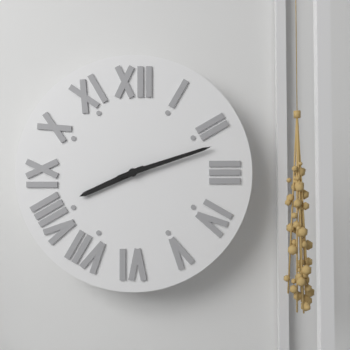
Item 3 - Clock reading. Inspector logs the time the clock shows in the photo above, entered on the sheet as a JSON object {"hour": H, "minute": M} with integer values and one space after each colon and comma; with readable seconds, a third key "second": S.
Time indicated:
{"hour": 8, "minute": 12}
